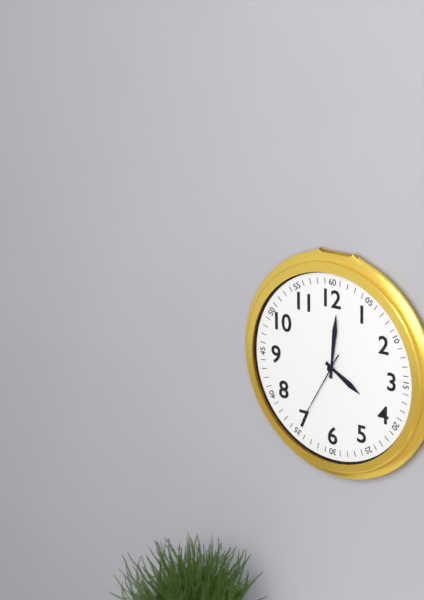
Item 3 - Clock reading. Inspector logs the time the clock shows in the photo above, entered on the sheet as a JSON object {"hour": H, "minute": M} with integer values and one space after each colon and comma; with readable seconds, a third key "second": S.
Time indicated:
{"hour": 4, "minute": 1, "second": 35}
